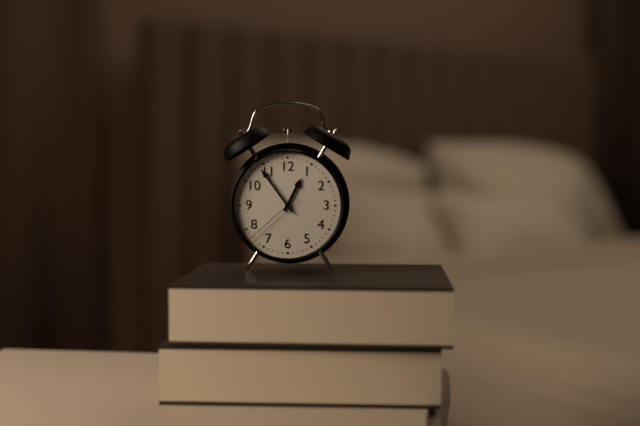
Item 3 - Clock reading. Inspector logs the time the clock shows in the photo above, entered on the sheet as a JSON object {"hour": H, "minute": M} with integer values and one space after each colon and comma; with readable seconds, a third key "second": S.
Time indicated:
{"hour": 12, "minute": 54, "second": 38}
